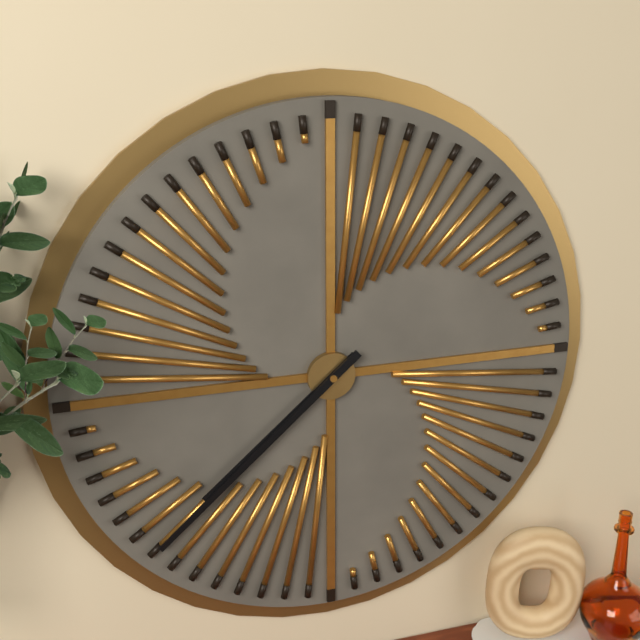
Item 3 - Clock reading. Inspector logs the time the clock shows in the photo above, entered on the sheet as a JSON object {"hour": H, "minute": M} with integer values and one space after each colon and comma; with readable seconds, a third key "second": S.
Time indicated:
{"hour": 7, "minute": 38}
